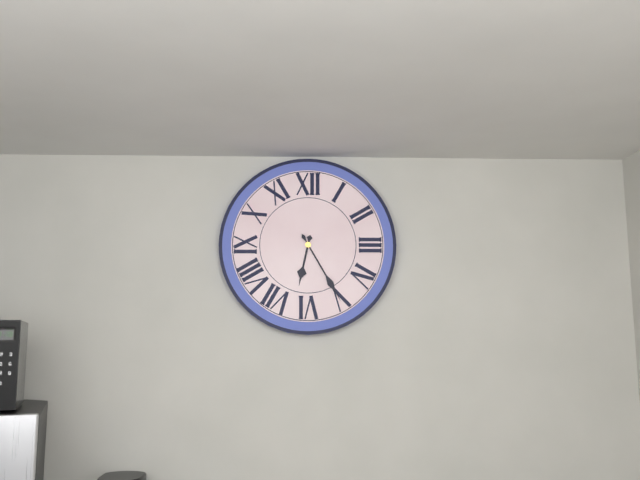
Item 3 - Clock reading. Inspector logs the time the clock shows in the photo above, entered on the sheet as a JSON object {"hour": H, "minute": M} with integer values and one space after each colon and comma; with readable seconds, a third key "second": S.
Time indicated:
{"hour": 6, "minute": 25}
